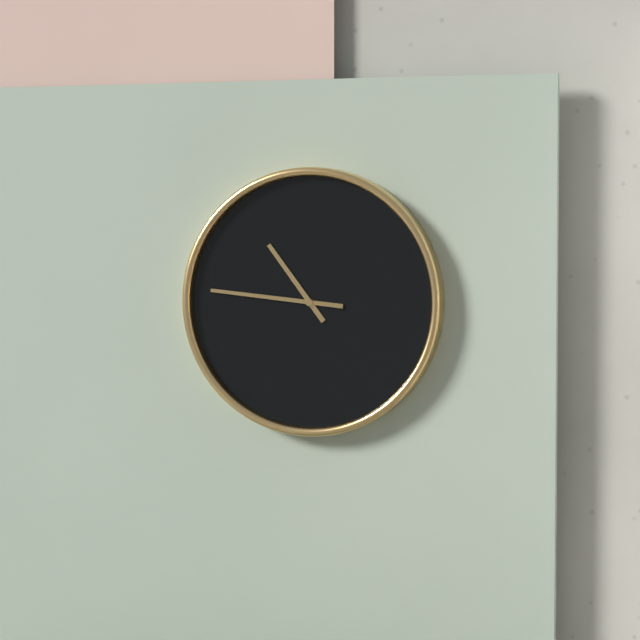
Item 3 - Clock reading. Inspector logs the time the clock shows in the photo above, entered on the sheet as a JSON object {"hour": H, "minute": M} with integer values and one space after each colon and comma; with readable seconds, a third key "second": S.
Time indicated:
{"hour": 10, "minute": 46}
